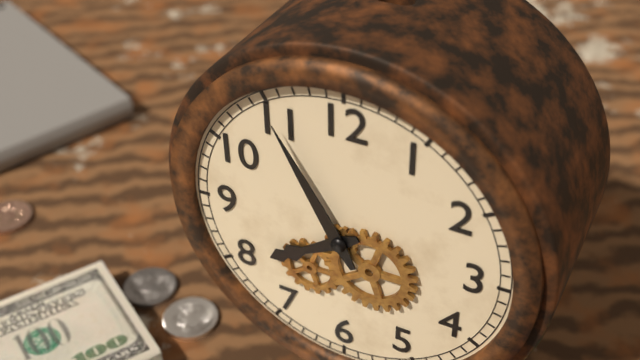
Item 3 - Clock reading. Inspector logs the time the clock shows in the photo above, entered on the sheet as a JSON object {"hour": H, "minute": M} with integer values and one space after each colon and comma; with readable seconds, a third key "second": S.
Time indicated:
{"hour": 7, "minute": 55}
